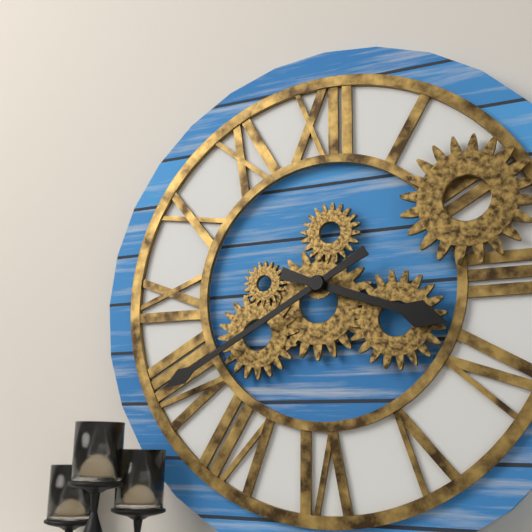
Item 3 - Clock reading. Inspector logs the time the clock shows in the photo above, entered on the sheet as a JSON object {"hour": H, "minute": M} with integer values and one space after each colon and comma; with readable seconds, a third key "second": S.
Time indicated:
{"hour": 3, "minute": 40}
